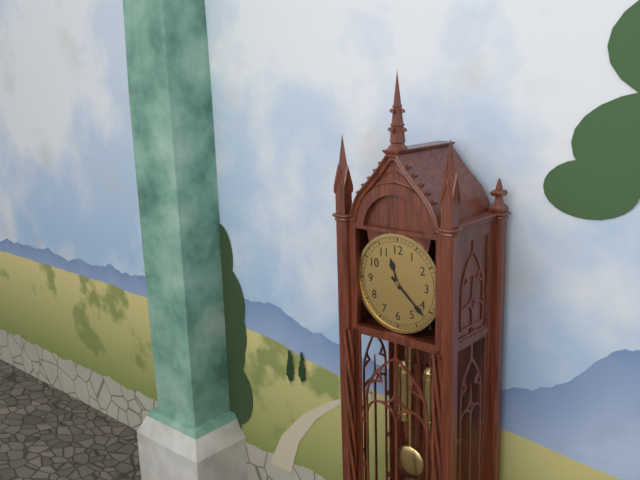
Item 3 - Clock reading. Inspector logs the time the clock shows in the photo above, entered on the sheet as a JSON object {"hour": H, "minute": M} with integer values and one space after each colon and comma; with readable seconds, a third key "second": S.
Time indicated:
{"hour": 11, "minute": 22}
